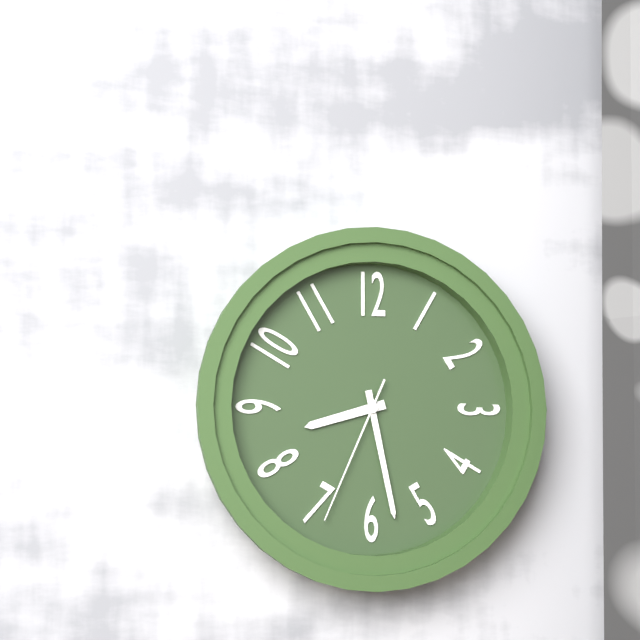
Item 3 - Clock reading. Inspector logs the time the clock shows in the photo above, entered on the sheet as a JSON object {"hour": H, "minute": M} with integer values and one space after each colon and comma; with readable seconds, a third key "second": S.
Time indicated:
{"hour": 8, "minute": 28, "second": 34}
